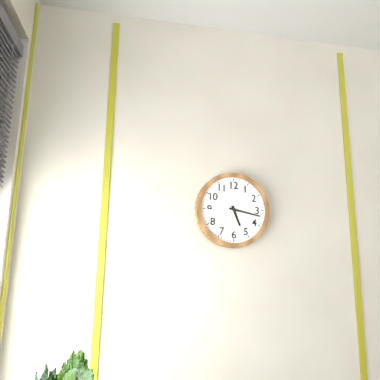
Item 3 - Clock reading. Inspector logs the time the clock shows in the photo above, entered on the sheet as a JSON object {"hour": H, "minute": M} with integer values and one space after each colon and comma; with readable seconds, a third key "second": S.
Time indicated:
{"hour": 5, "minute": 17}
